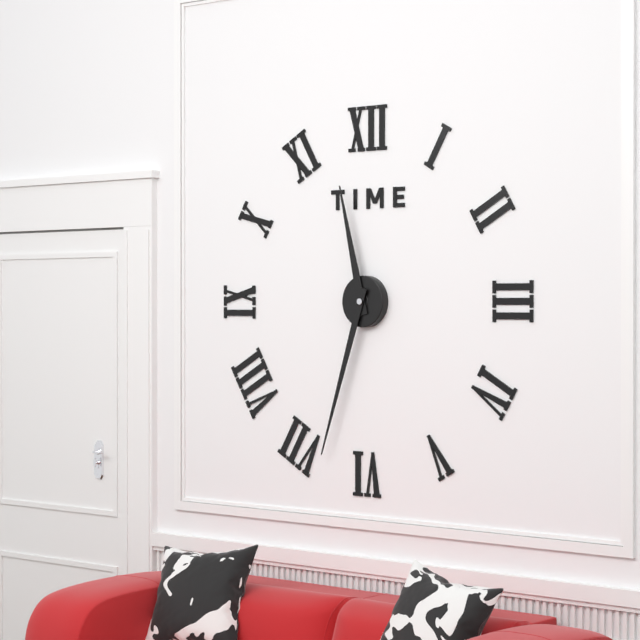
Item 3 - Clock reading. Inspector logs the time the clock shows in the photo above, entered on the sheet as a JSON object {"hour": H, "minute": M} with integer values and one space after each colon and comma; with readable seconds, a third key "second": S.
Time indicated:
{"hour": 11, "minute": 33}
